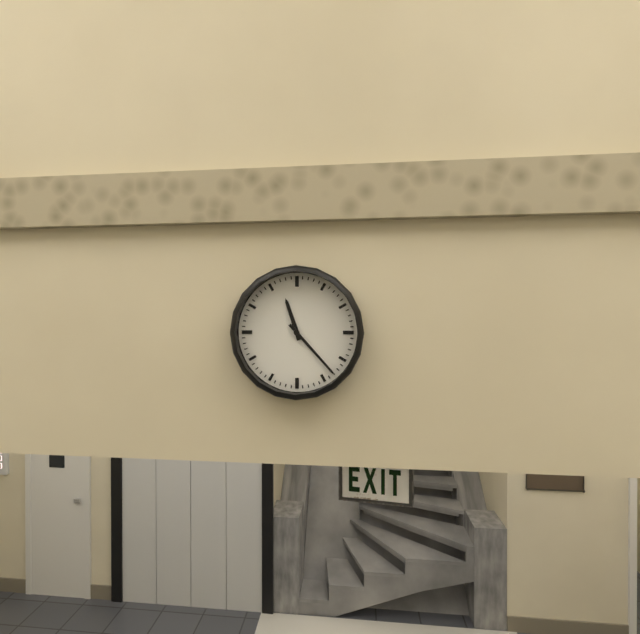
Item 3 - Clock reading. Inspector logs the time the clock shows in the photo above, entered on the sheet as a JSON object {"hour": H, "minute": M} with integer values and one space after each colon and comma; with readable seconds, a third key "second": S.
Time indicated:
{"hour": 11, "minute": 23}
